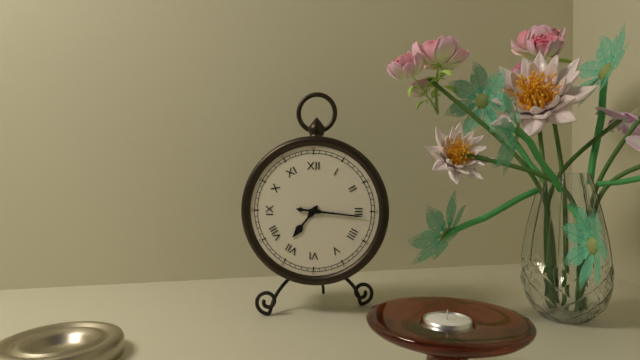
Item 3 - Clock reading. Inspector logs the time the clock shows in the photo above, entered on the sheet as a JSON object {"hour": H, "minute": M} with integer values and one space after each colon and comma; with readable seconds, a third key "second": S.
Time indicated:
{"hour": 7, "minute": 16}
